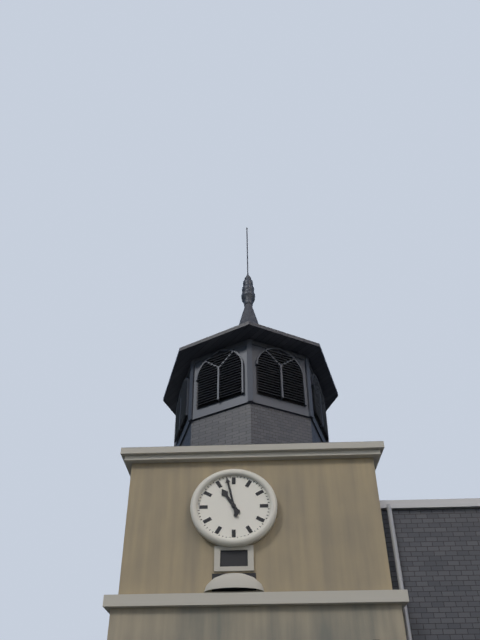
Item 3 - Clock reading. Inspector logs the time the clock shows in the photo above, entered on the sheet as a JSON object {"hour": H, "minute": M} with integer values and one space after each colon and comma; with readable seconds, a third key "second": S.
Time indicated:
{"hour": 10, "minute": 58}
